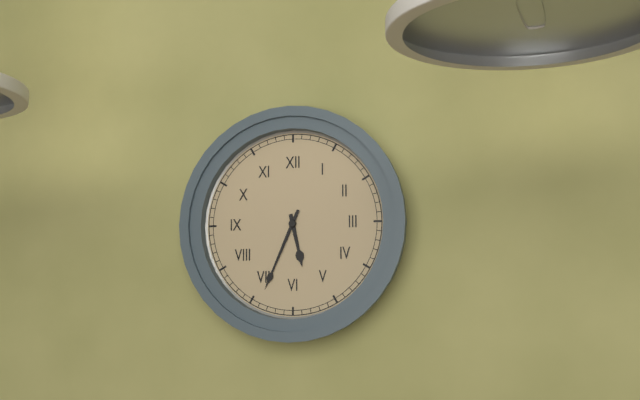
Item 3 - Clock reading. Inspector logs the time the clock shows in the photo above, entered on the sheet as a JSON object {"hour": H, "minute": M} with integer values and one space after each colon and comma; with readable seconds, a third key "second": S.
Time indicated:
{"hour": 5, "minute": 34}
